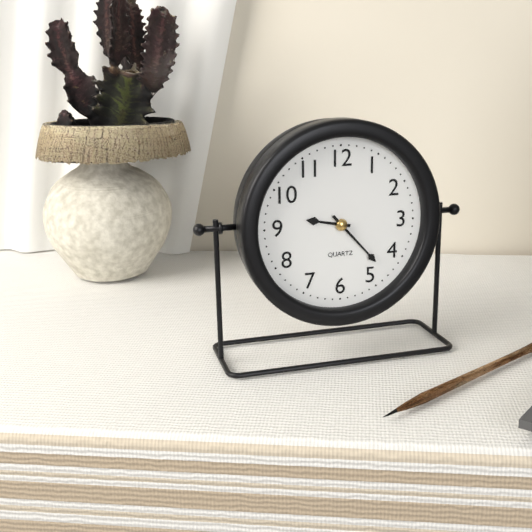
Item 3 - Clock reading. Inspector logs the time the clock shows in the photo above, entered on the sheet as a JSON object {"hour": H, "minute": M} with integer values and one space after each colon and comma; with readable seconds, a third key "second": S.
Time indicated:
{"hour": 9, "minute": 23}
